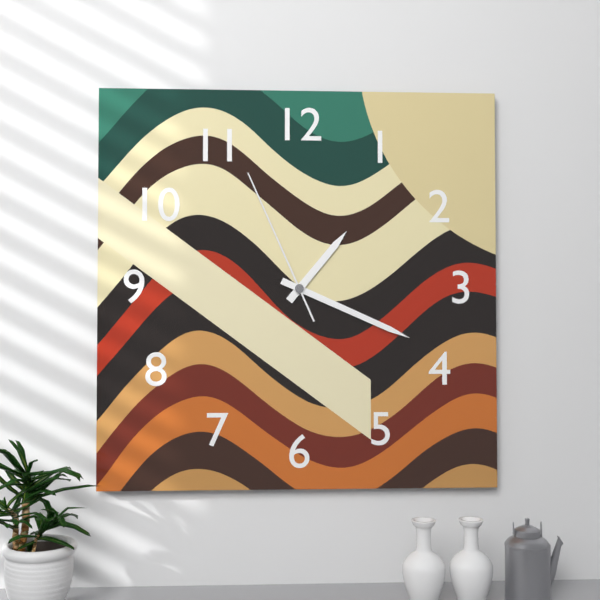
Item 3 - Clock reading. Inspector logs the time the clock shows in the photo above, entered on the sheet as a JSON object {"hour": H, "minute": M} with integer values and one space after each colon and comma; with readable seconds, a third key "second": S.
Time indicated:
{"hour": 1, "minute": 19, "second": 56}
